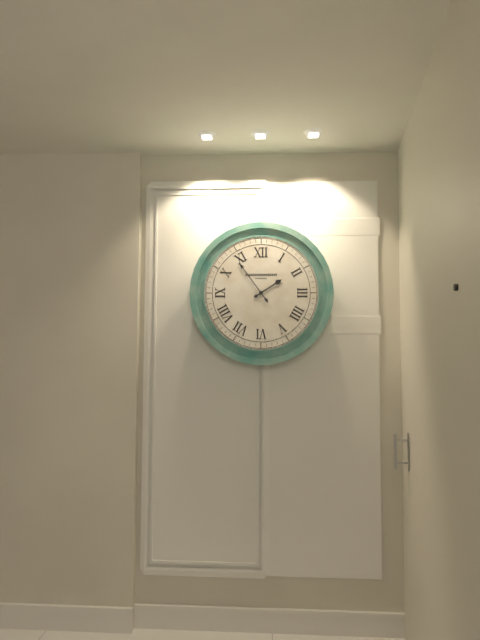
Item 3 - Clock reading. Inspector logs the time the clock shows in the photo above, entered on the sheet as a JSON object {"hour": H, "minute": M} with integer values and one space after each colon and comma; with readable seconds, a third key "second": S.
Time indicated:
{"hour": 1, "minute": 54}
